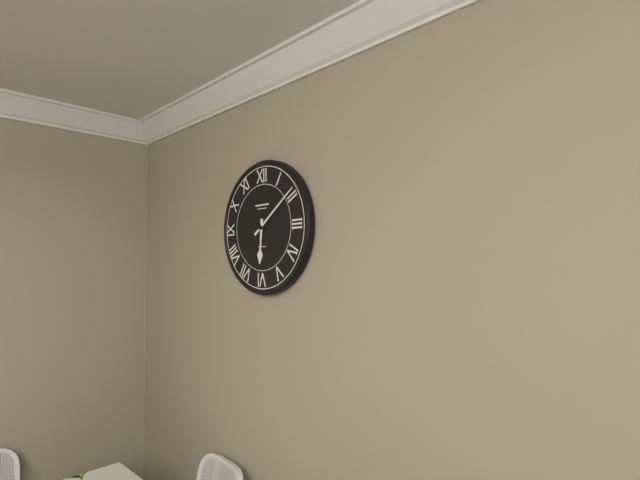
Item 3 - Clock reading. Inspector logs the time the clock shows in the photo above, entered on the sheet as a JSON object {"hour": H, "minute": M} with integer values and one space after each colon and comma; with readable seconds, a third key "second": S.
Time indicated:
{"hour": 6, "minute": 9}
